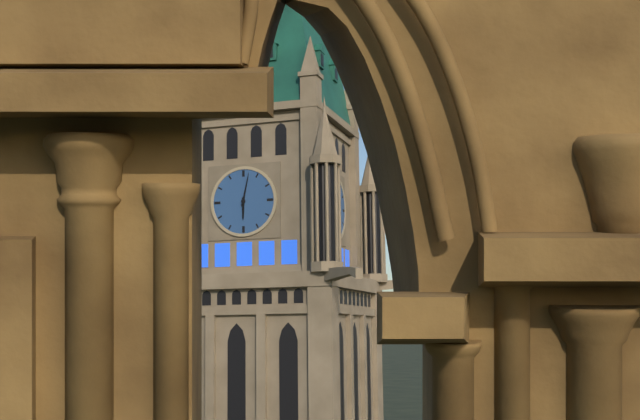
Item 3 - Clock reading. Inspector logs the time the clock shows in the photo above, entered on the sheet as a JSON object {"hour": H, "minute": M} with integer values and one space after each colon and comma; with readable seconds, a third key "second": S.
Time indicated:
{"hour": 6, "minute": 2}
